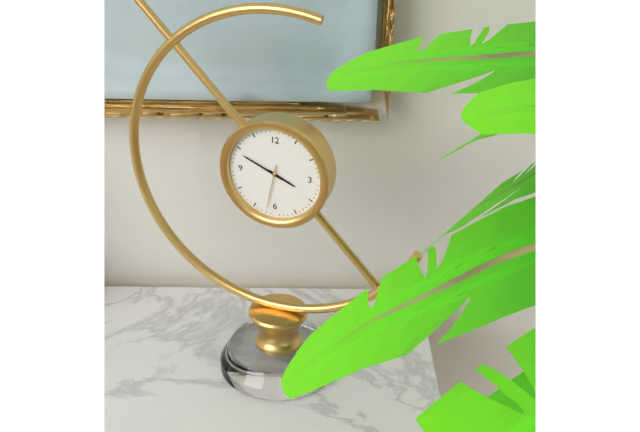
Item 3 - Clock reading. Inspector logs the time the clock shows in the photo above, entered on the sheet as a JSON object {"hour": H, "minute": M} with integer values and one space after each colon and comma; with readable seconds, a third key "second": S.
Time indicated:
{"hour": 3, "minute": 49}
